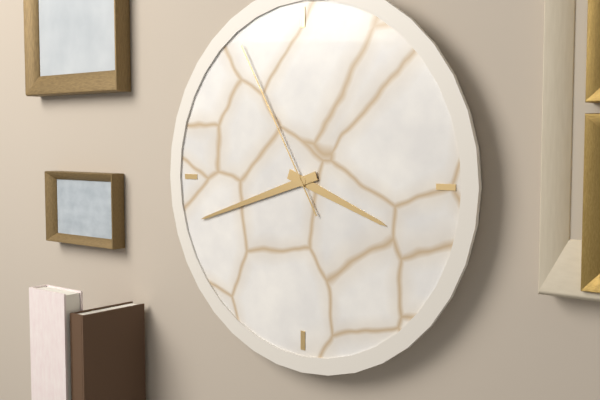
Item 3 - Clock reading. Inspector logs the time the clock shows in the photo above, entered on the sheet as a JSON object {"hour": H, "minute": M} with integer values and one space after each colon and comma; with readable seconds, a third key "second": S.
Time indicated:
{"hour": 3, "minute": 42, "second": 55}
